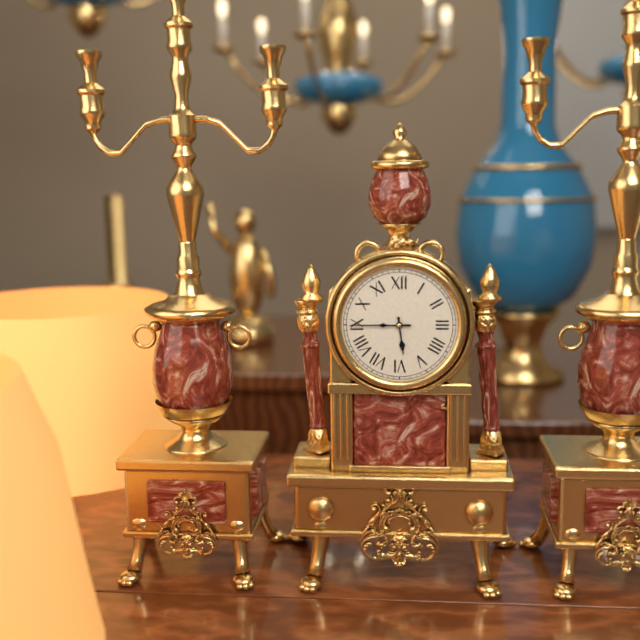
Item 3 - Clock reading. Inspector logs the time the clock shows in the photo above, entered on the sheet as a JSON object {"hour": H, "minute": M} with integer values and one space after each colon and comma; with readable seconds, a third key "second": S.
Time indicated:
{"hour": 5, "minute": 45}
